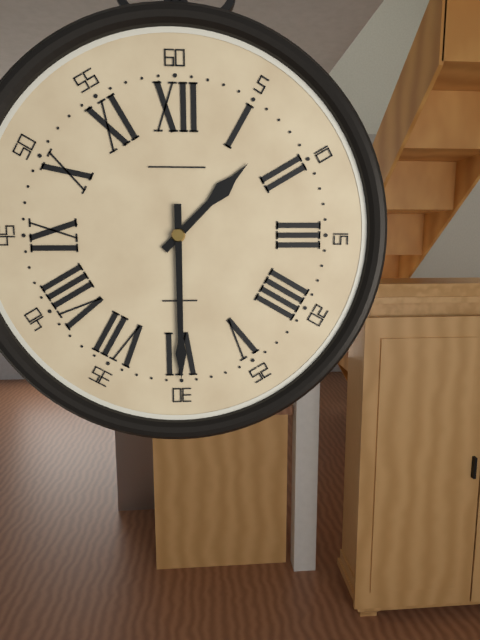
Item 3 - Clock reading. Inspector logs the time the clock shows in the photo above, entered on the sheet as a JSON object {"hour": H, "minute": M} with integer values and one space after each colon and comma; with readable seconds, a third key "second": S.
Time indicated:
{"hour": 1, "minute": 30}
